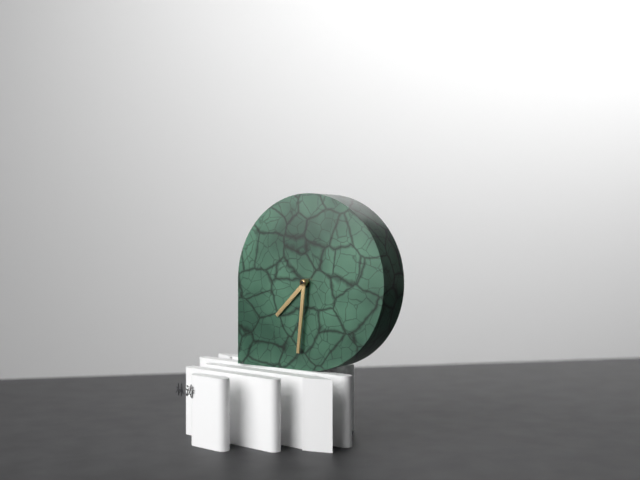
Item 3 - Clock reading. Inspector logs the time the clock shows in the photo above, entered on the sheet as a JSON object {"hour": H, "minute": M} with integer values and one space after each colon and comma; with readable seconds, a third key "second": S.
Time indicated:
{"hour": 7, "minute": 31}
